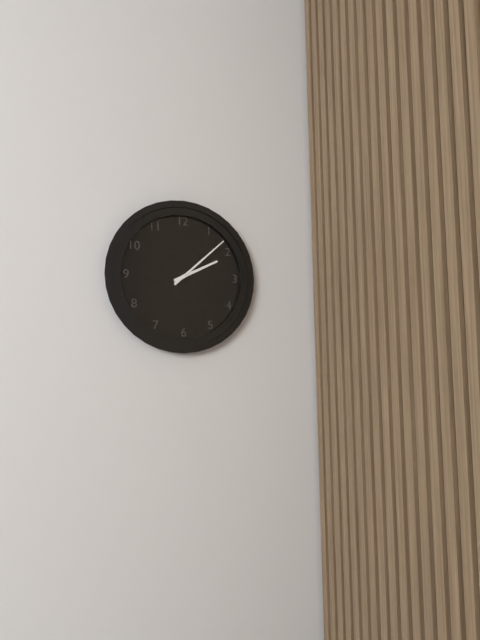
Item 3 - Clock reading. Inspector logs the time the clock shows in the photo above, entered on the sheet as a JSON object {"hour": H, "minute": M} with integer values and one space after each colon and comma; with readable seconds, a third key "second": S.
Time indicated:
{"hour": 2, "minute": 8}
